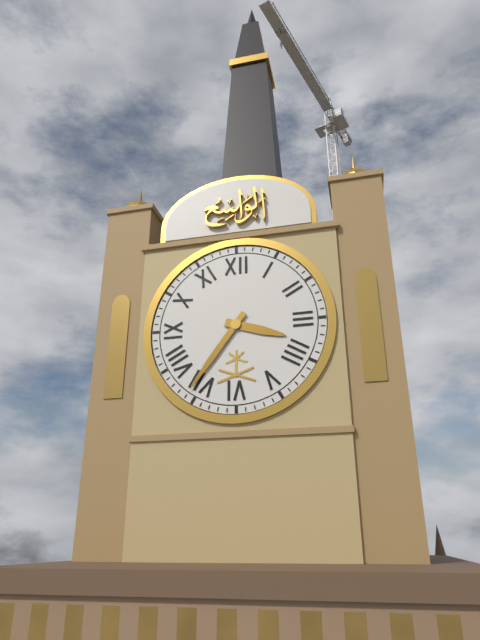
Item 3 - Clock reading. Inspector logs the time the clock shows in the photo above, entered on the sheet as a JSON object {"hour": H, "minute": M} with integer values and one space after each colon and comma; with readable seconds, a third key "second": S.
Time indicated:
{"hour": 3, "minute": 36}
